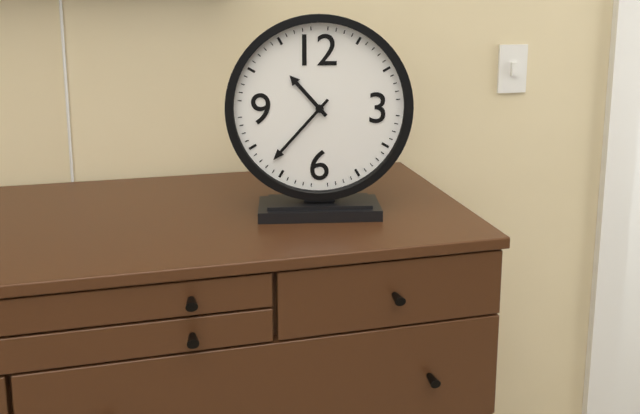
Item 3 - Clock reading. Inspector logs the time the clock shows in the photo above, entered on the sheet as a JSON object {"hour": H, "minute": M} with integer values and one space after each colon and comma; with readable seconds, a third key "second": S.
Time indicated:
{"hour": 10, "minute": 37}
